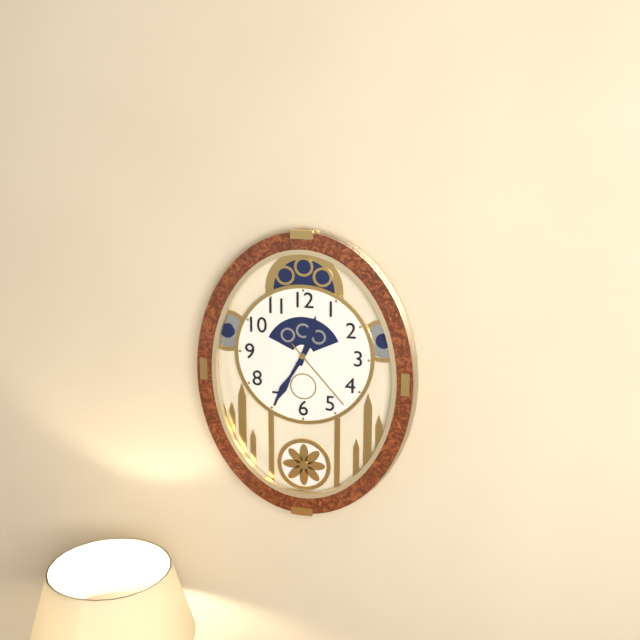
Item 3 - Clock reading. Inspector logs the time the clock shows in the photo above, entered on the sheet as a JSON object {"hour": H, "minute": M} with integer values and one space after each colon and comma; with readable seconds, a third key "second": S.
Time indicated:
{"hour": 12, "minute": 35, "second": 23}
